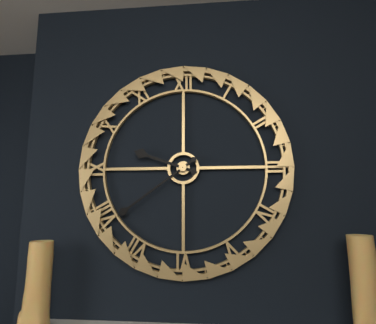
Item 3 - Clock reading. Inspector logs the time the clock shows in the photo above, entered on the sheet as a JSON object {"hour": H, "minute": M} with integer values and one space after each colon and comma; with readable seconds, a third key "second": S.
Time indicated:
{"hour": 9, "minute": 39}
